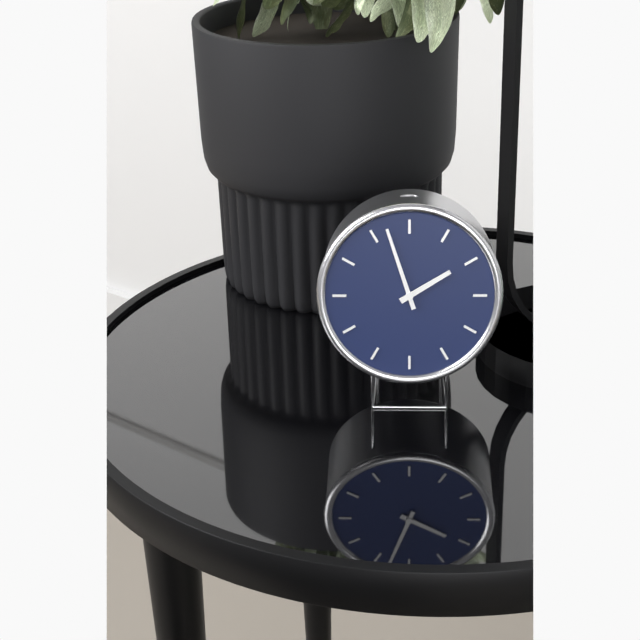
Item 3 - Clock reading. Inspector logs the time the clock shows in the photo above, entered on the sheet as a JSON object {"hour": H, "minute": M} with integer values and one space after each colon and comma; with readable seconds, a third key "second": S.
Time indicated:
{"hour": 1, "minute": 57}
